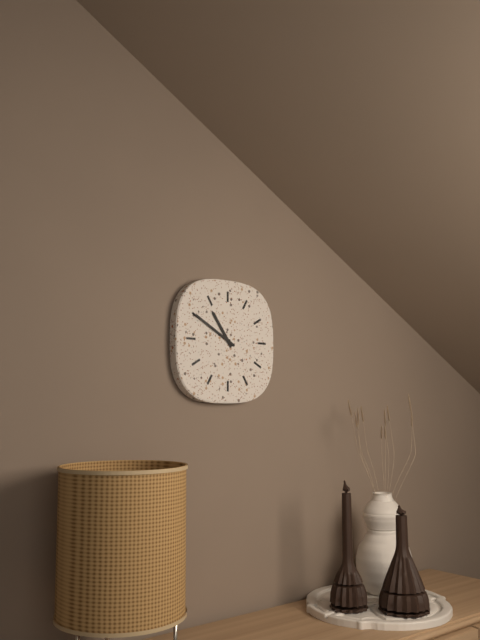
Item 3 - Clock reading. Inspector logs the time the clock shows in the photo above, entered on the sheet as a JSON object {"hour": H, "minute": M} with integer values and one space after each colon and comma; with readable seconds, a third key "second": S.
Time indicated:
{"hour": 10, "minute": 50}
